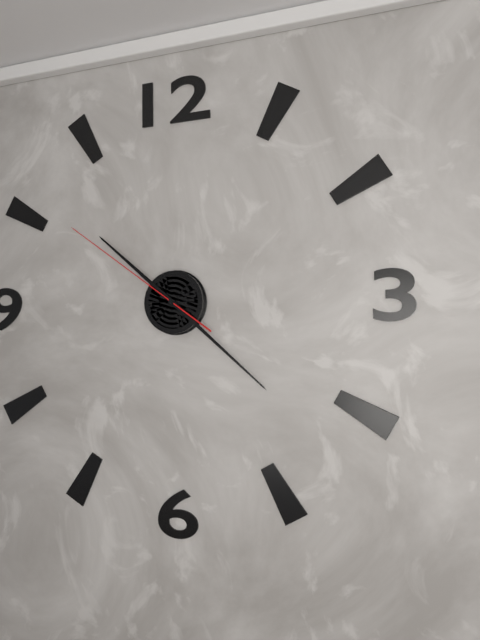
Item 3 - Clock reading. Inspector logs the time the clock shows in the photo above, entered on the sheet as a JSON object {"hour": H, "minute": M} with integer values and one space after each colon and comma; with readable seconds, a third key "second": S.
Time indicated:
{"hour": 10, "minute": 22, "second": 51}
